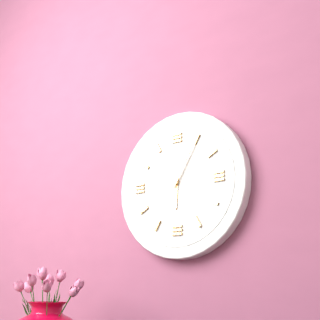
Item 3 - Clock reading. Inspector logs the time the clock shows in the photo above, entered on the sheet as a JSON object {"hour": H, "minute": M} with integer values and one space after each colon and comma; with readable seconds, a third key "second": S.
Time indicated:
{"hour": 6, "minute": 5}
